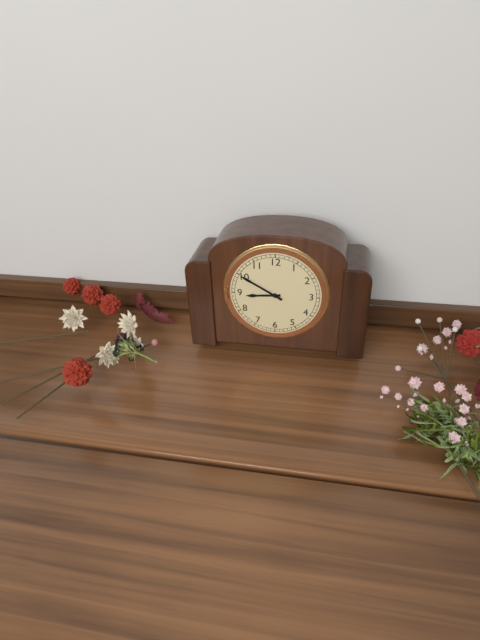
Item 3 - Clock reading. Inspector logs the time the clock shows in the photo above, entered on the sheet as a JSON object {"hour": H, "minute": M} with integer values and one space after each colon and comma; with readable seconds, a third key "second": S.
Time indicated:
{"hour": 8, "minute": 50}
